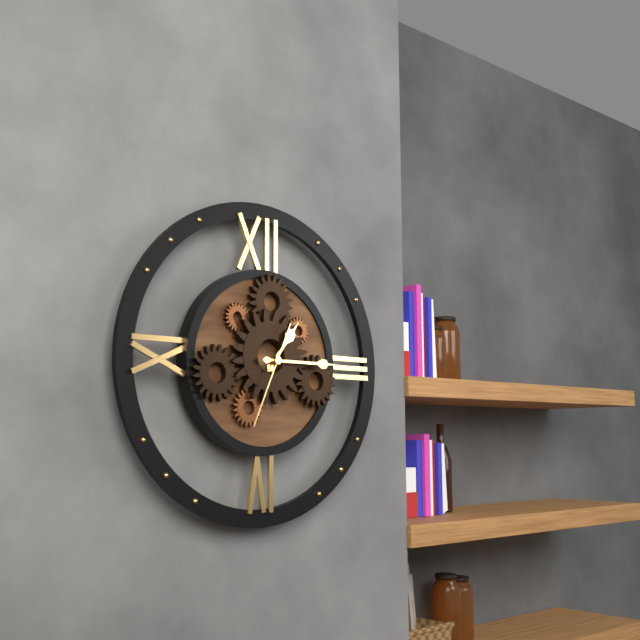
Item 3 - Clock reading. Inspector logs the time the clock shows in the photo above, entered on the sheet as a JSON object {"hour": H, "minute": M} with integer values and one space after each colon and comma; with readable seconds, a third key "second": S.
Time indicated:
{"hour": 1, "minute": 15, "second": 34}
